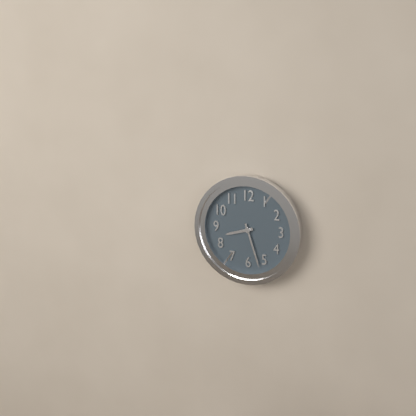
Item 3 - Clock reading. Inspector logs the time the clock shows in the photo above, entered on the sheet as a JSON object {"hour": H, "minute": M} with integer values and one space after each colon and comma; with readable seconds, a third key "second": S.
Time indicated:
{"hour": 8, "minute": 27}
